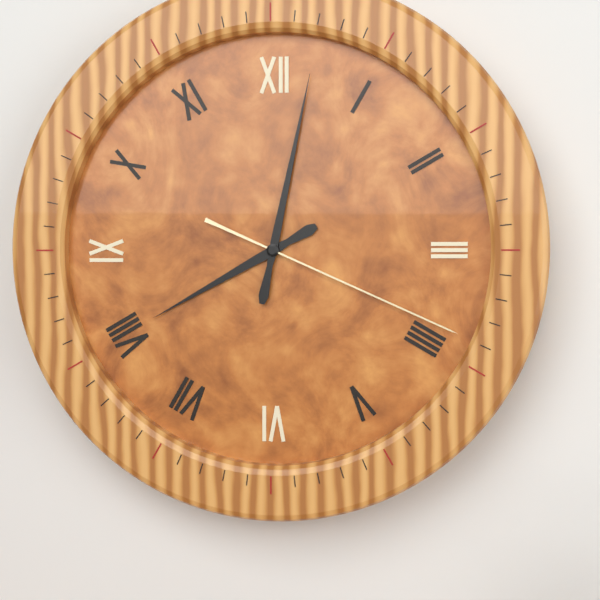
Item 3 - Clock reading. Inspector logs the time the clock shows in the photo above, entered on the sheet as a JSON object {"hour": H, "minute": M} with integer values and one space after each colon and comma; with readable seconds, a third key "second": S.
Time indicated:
{"hour": 8, "minute": 2, "second": 19}
